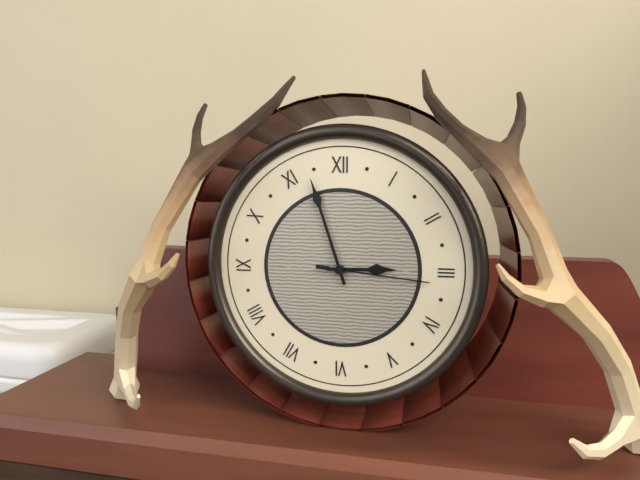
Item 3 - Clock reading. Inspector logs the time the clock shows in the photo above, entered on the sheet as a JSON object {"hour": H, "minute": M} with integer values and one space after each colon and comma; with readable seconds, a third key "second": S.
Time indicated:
{"hour": 2, "minute": 57, "second": 16}
